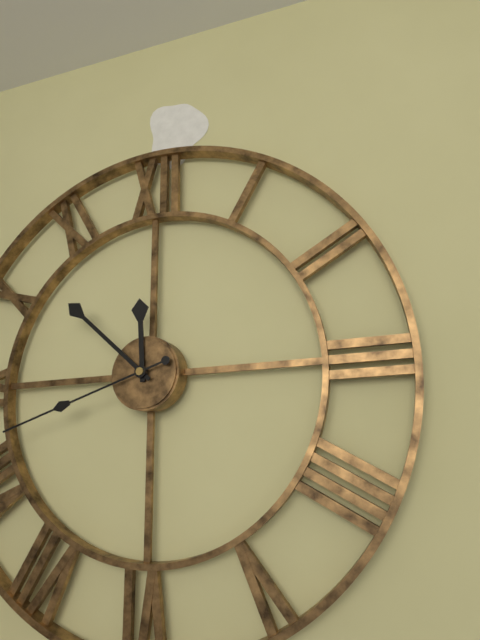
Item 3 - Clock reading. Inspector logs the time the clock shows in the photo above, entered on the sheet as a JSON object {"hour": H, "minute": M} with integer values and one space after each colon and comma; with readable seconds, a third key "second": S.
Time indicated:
{"hour": 11, "minute": 52, "second": 42}
